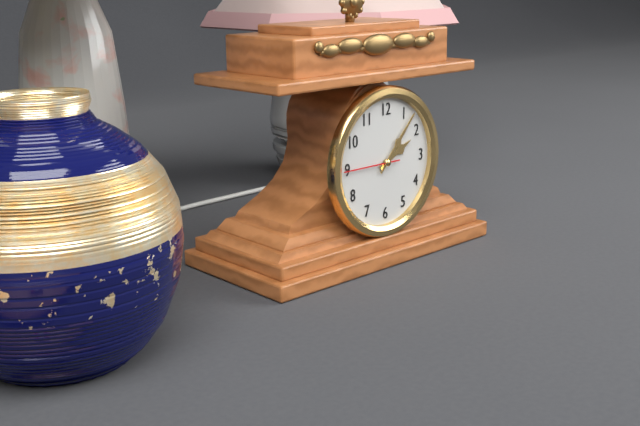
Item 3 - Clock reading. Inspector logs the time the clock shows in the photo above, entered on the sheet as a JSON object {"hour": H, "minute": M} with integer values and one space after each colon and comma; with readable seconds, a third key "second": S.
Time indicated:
{"hour": 2, "minute": 7, "second": 45}
